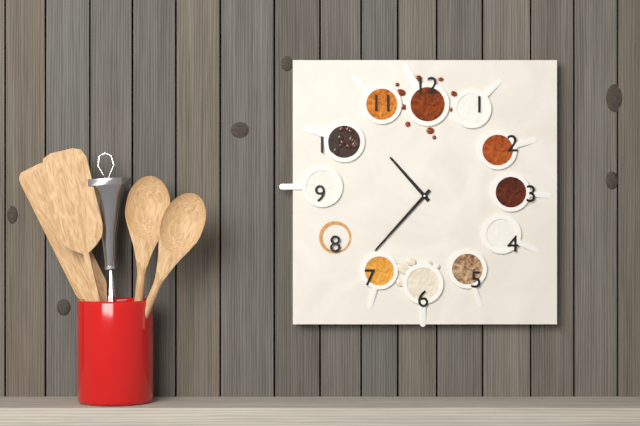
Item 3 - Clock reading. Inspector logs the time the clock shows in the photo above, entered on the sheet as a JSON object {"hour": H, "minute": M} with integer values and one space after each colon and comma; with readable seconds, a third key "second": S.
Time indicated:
{"hour": 10, "minute": 37}
